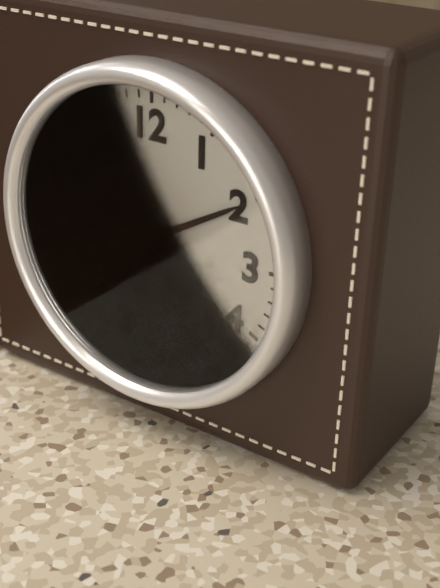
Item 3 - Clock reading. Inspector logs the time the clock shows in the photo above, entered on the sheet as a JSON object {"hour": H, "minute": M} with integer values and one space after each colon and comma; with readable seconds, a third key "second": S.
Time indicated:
{"hour": 7, "minute": 10}
